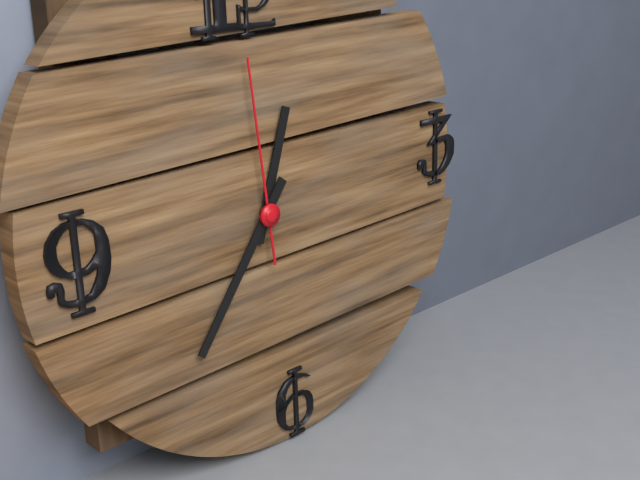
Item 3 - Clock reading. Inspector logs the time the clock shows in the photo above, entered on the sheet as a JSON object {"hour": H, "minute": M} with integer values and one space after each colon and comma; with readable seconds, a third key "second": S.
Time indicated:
{"hour": 12, "minute": 36, "second": 59}
